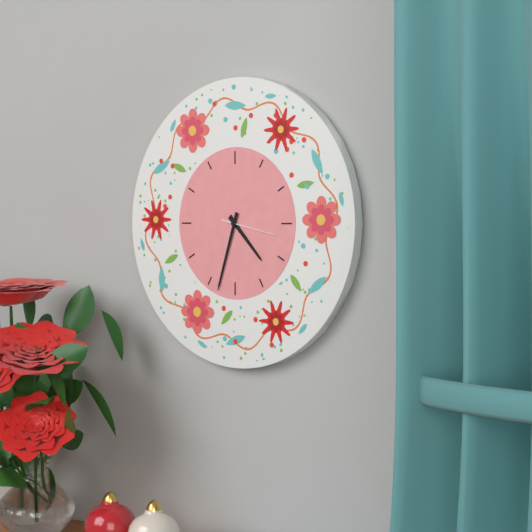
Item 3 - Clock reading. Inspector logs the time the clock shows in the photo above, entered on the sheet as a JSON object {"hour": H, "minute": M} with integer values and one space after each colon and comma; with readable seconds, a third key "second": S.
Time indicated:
{"hour": 4, "minute": 33, "second": 17}
